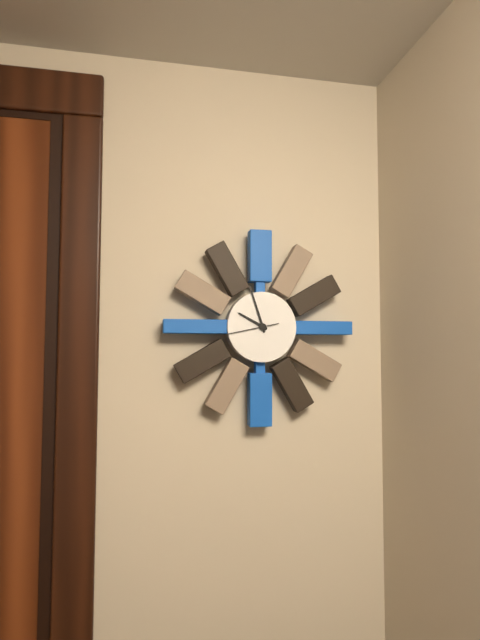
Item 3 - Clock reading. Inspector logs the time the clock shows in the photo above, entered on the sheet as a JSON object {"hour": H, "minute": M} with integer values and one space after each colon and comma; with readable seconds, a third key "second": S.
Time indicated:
{"hour": 9, "minute": 57}
